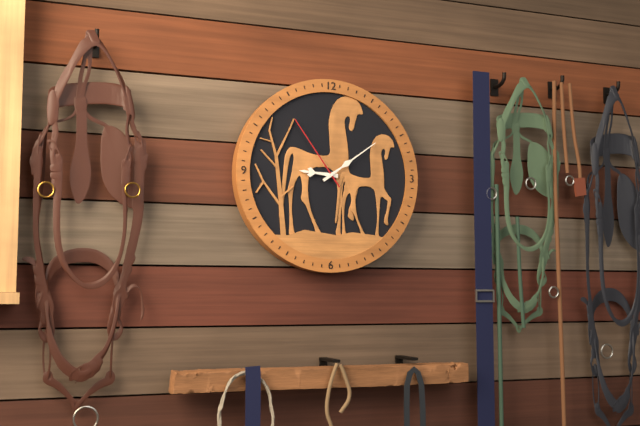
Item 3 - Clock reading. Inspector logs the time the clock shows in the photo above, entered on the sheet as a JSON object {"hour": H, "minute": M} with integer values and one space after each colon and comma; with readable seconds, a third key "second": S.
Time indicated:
{"hour": 9, "minute": 9, "second": 54}
